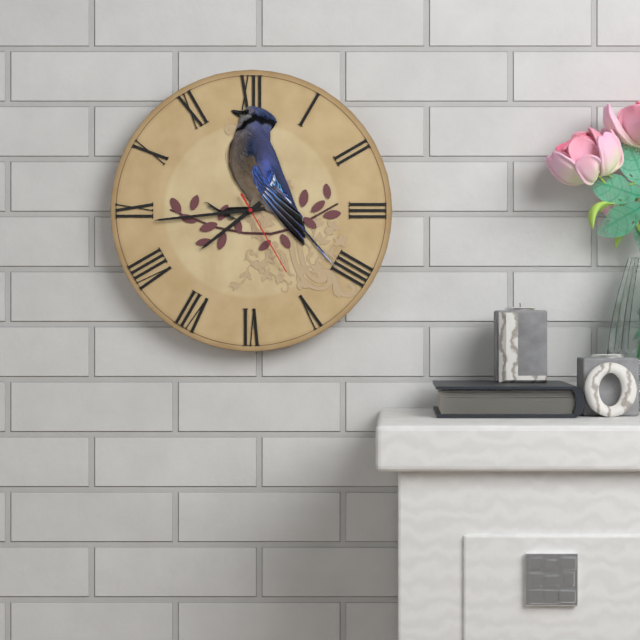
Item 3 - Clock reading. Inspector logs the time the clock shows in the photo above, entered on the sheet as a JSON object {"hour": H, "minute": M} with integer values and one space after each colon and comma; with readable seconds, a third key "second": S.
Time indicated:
{"hour": 7, "minute": 44, "second": 25}
